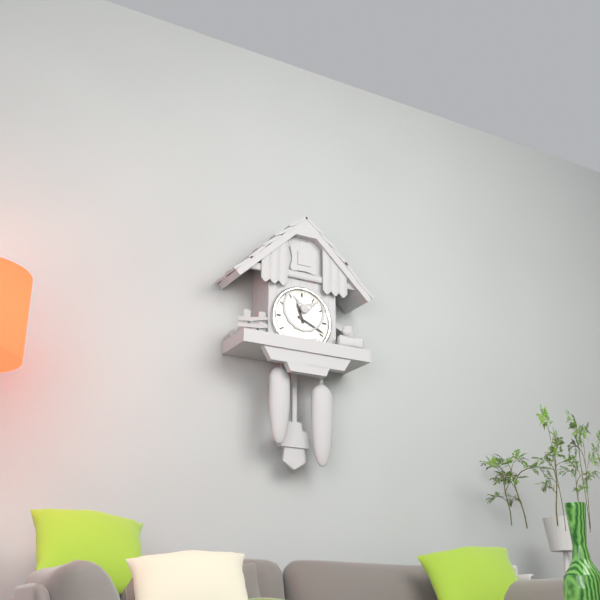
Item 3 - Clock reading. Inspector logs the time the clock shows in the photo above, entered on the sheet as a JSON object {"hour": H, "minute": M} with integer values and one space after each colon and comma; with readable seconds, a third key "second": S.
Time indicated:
{"hour": 11, "minute": 19}
